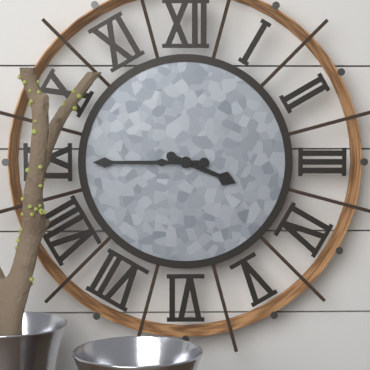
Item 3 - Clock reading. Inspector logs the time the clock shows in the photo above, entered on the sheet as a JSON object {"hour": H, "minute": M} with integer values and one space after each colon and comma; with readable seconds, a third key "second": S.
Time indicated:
{"hour": 3, "minute": 45}
